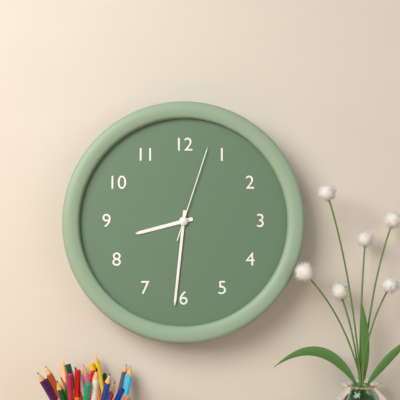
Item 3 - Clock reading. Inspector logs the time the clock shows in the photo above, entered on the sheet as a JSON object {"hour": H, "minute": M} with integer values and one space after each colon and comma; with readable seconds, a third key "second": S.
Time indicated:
{"hour": 8, "minute": 31, "second": 3}
